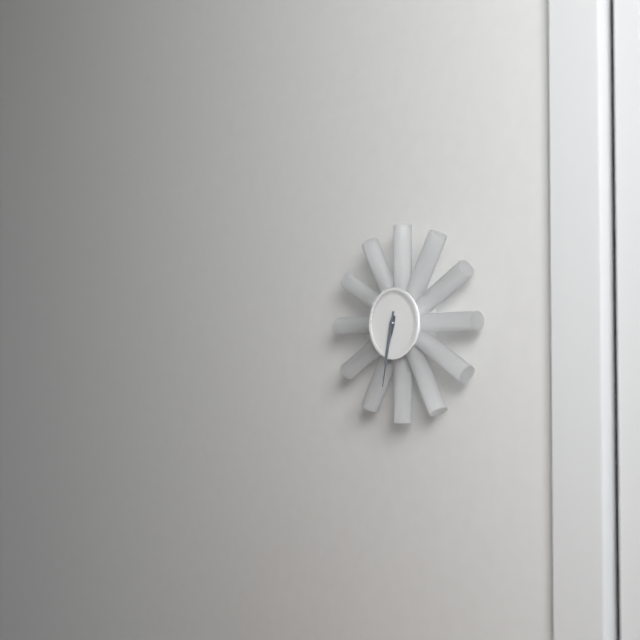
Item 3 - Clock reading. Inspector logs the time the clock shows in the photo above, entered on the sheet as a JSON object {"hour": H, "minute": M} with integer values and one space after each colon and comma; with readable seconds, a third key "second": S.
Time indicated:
{"hour": 6, "minute": 32}
